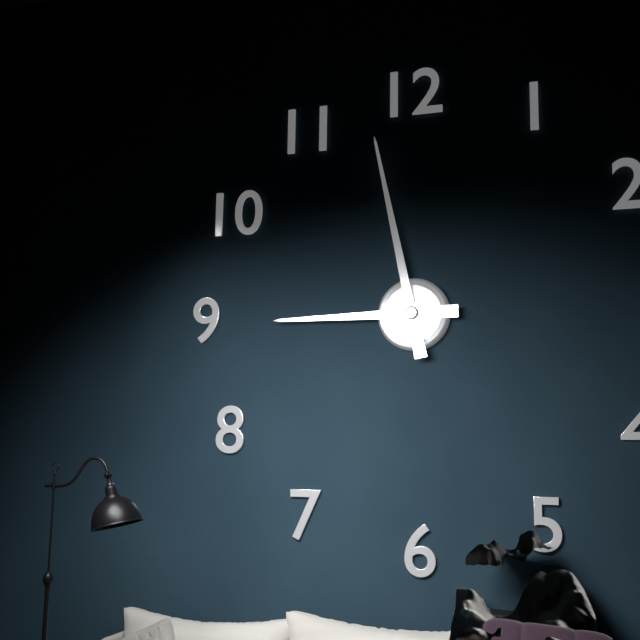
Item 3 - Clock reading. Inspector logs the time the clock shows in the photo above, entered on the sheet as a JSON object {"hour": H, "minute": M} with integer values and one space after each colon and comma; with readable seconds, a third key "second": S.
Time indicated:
{"hour": 8, "minute": 58}
